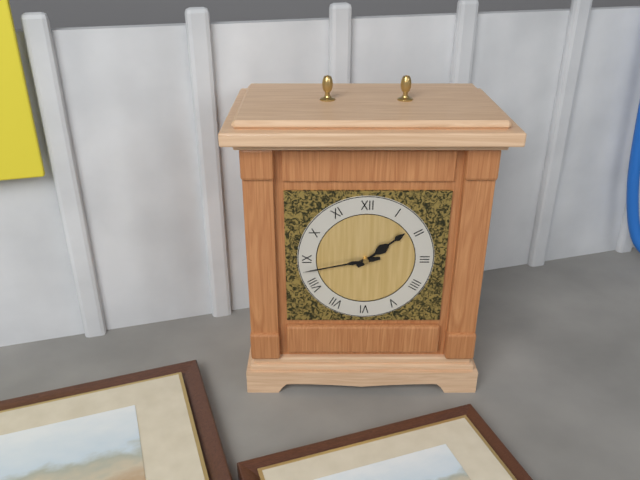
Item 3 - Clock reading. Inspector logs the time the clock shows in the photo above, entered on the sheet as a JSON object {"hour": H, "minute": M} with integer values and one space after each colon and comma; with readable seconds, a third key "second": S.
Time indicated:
{"hour": 1, "minute": 43}
